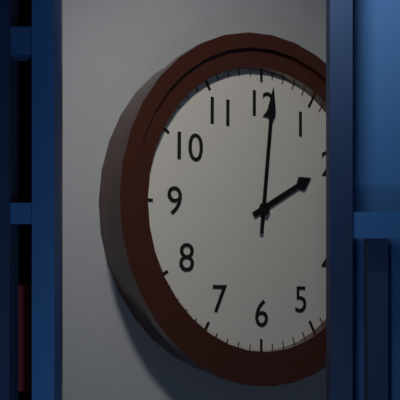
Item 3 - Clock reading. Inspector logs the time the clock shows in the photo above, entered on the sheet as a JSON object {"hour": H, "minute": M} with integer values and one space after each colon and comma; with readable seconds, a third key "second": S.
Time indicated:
{"hour": 2, "minute": 1}
